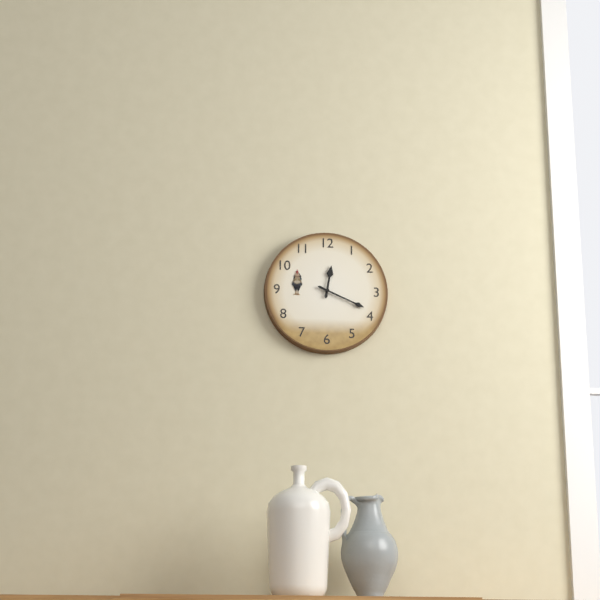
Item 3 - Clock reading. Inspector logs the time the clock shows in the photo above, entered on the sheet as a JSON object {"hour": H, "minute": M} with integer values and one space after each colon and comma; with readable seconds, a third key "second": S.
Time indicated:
{"hour": 12, "minute": 19}
